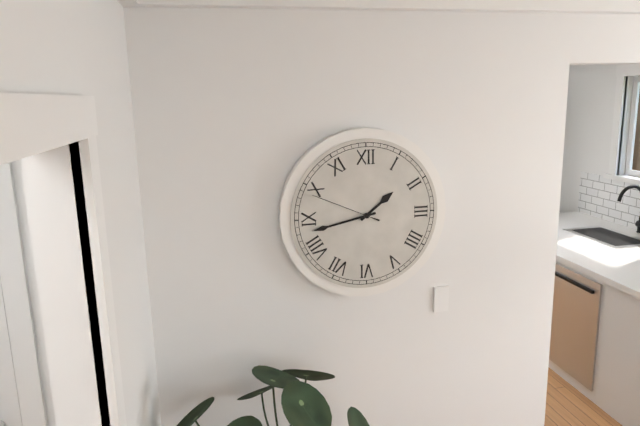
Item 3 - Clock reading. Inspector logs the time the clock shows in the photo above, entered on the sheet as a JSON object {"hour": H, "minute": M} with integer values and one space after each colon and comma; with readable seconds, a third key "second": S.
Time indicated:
{"hour": 1, "minute": 43, "second": 49}
